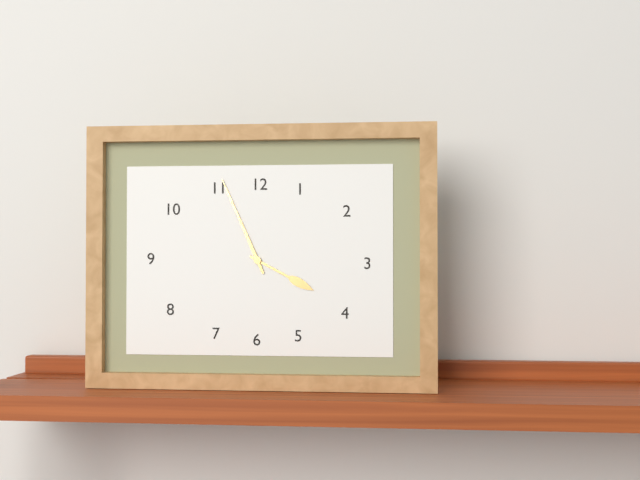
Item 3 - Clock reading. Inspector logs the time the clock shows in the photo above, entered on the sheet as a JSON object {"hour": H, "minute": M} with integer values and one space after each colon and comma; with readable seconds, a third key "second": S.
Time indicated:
{"hour": 3, "minute": 56}
